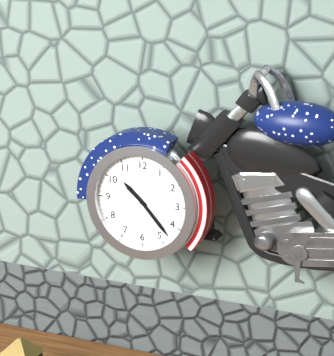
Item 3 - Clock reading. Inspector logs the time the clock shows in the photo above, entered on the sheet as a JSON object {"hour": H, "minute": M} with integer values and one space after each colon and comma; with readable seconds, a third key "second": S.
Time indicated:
{"hour": 10, "minute": 23}
